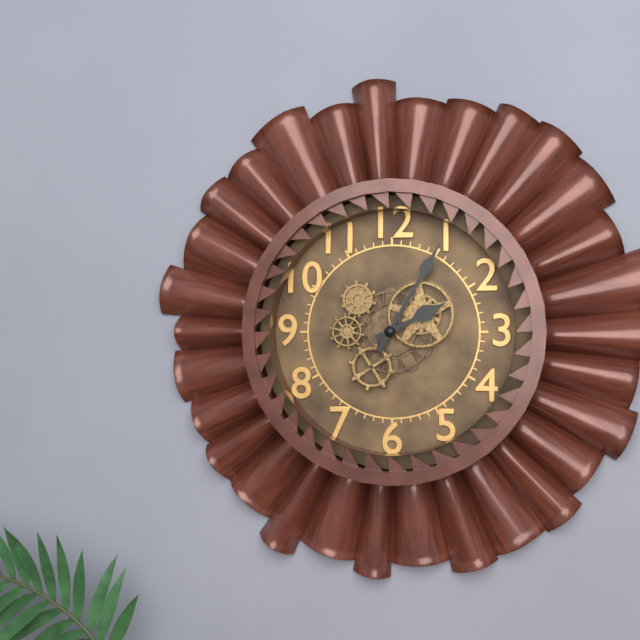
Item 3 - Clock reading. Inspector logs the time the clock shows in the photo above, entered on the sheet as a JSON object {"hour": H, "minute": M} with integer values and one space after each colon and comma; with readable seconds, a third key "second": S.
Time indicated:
{"hour": 2, "minute": 5}
